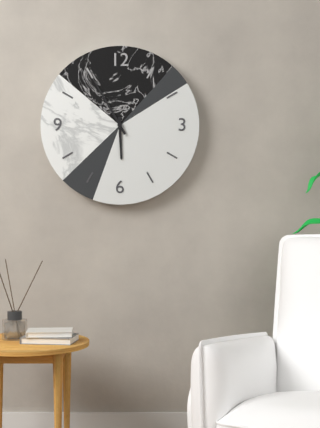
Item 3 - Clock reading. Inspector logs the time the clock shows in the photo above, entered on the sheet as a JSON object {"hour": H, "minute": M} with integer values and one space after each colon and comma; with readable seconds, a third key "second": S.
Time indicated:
{"hour": 5, "minute": 55}
